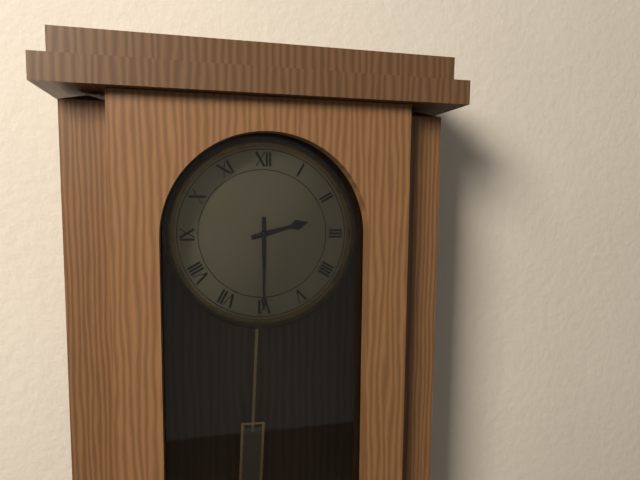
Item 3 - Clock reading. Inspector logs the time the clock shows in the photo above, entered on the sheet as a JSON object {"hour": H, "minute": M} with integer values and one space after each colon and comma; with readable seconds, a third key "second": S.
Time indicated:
{"hour": 2, "minute": 30}
